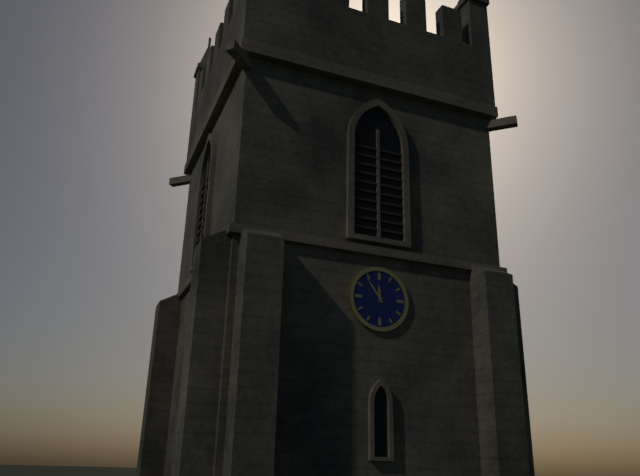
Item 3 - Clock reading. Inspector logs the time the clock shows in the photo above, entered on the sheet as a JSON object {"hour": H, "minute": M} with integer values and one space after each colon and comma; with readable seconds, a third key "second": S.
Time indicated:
{"hour": 11, "minute": 54}
